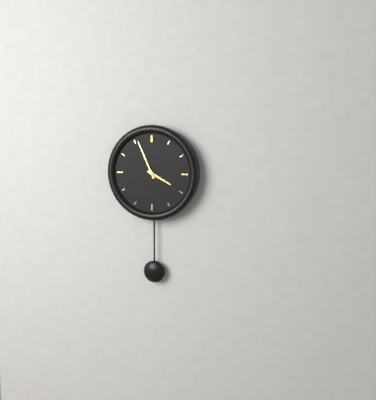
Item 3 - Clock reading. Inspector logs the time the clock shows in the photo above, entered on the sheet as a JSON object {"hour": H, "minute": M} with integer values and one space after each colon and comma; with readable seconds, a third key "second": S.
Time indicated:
{"hour": 3, "minute": 56}
